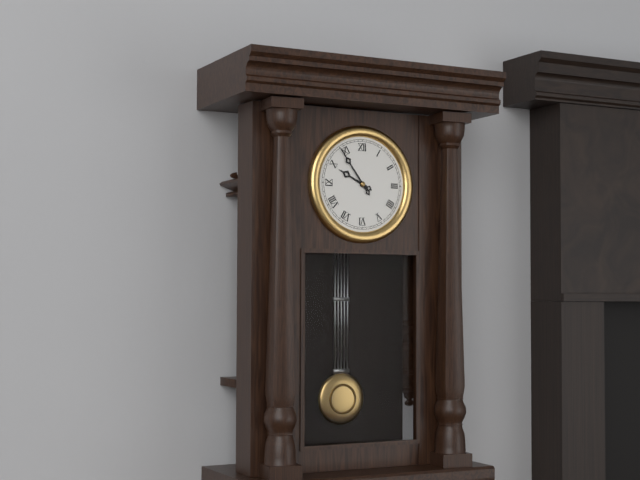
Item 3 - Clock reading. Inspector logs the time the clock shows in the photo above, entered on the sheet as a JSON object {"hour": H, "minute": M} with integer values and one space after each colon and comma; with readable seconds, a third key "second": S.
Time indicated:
{"hour": 9, "minute": 54}
